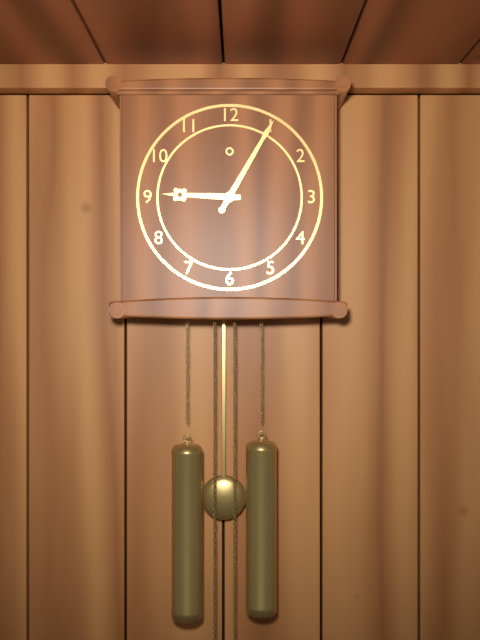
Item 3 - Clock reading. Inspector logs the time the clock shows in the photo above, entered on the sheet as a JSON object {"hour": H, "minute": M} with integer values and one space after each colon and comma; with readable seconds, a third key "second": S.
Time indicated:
{"hour": 9, "minute": 5}
